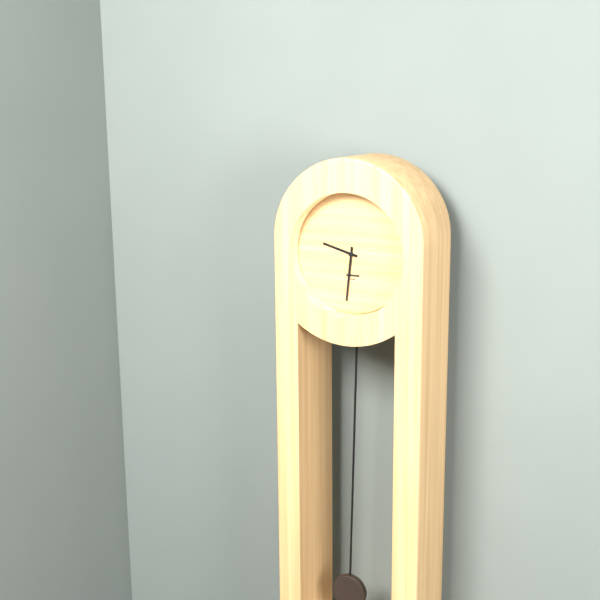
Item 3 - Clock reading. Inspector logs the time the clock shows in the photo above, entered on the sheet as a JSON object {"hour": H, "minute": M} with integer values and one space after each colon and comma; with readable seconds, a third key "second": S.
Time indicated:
{"hour": 9, "minute": 31}
